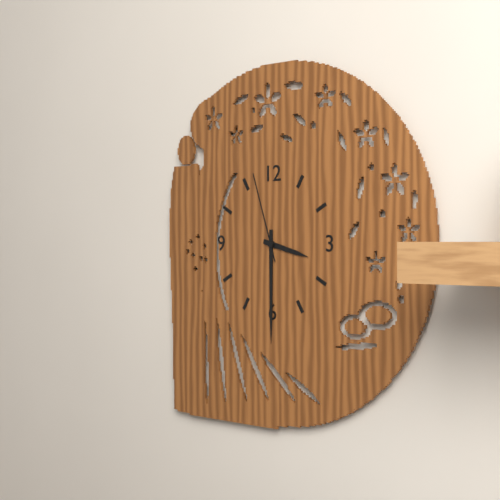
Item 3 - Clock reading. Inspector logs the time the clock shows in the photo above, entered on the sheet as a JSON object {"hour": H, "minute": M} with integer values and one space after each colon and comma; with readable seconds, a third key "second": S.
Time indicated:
{"hour": 3, "minute": 30, "second": 57}
